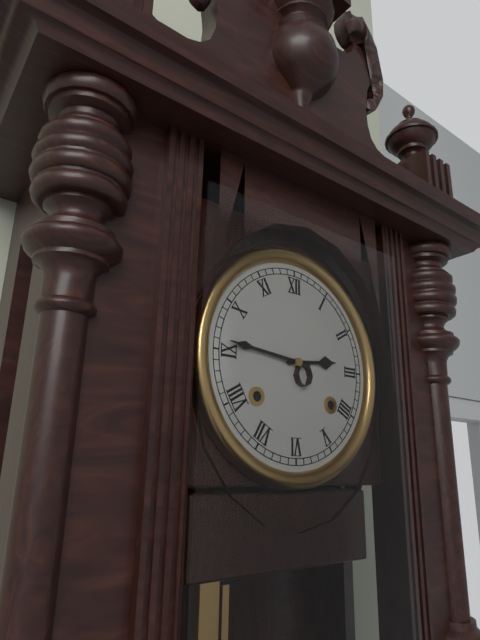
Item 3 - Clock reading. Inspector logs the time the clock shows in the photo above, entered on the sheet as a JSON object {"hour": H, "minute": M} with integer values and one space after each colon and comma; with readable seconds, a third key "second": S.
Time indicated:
{"hour": 2, "minute": 46}
